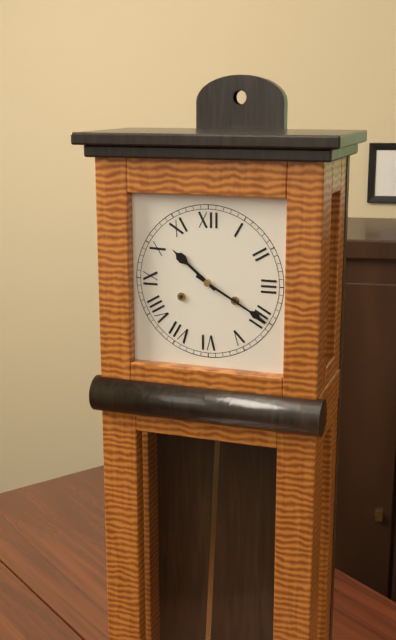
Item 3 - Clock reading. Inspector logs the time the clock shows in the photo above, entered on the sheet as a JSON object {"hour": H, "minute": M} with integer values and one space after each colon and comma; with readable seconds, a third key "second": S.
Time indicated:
{"hour": 10, "minute": 20}
